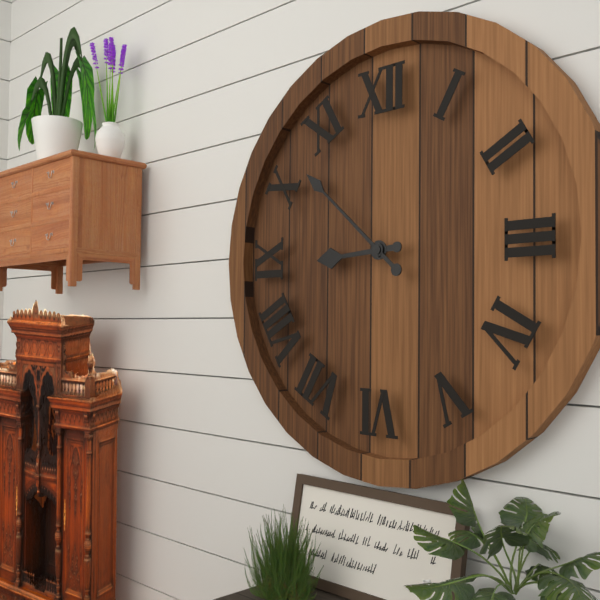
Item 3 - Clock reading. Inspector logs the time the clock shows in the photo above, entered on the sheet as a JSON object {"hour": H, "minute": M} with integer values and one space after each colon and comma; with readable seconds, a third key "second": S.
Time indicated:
{"hour": 8, "minute": 52}
